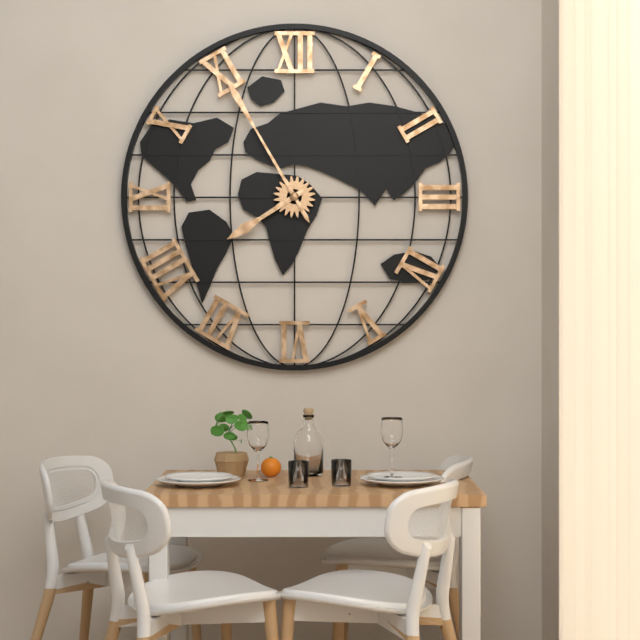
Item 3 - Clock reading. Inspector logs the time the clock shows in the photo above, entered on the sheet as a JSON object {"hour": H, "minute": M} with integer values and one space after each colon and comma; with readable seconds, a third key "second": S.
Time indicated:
{"hour": 7, "minute": 55}
